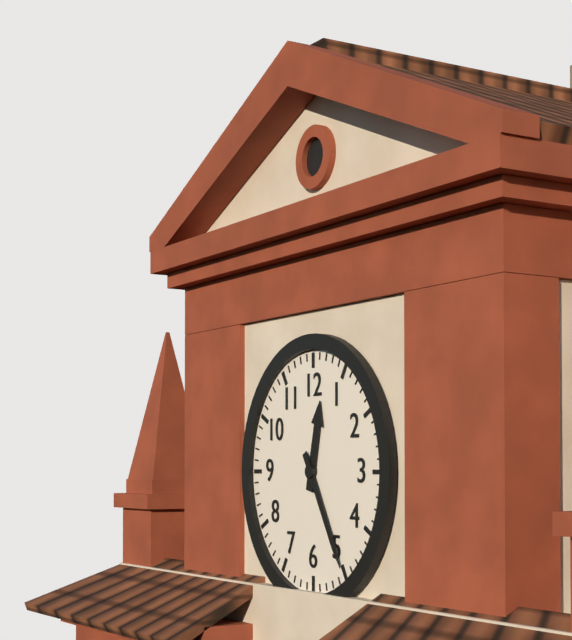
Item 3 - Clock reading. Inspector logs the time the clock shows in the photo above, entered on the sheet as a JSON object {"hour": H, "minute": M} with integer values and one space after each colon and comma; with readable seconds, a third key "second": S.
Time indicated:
{"hour": 12, "minute": 25}
